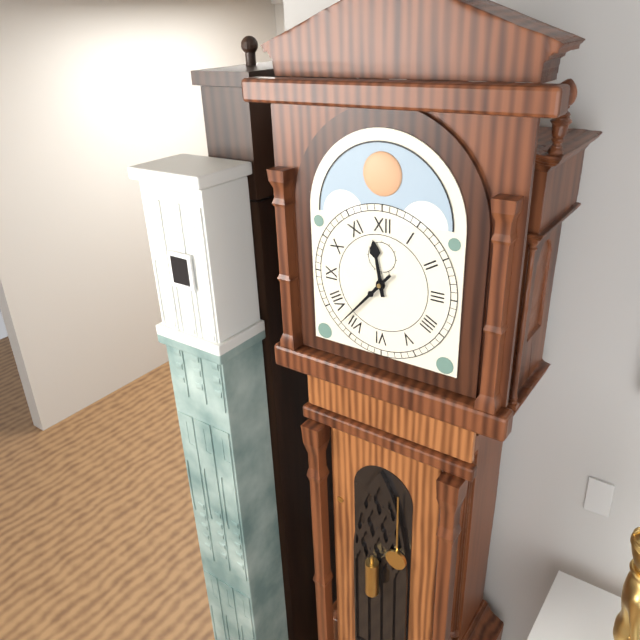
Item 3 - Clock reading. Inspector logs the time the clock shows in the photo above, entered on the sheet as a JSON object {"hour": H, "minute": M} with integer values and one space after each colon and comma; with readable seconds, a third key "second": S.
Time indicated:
{"hour": 11, "minute": 37}
